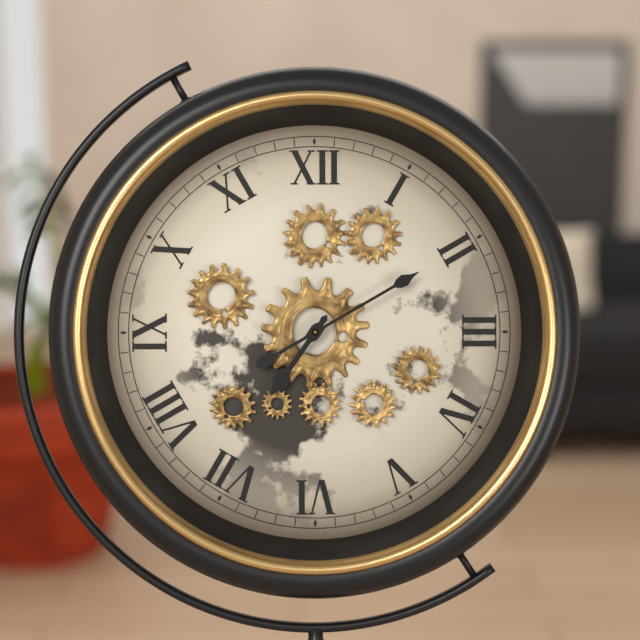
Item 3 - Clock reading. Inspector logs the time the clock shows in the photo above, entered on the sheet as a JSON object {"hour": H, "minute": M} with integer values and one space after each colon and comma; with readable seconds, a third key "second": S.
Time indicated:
{"hour": 7, "minute": 10}
